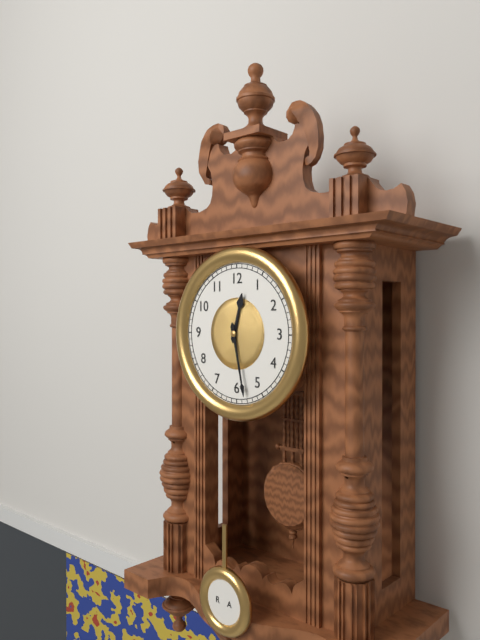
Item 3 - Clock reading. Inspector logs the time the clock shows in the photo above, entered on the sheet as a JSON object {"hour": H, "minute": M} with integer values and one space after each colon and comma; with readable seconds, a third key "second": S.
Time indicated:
{"hour": 12, "minute": 28}
